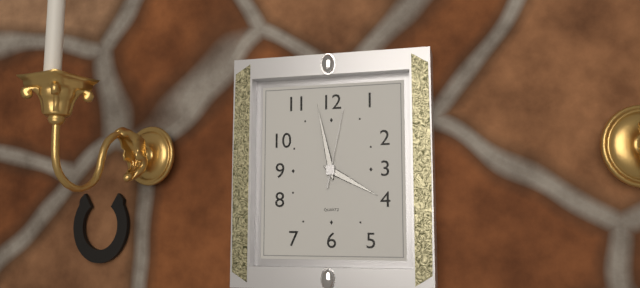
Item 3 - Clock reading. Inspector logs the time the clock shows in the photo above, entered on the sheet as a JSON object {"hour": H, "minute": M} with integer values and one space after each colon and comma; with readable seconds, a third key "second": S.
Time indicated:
{"hour": 3, "minute": 58, "second": 2}
